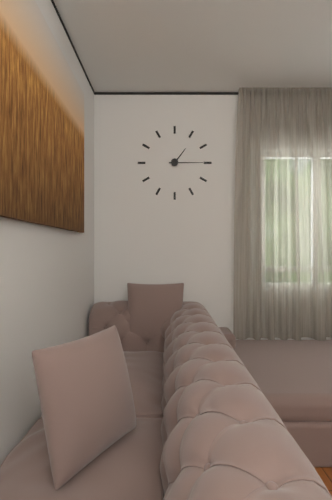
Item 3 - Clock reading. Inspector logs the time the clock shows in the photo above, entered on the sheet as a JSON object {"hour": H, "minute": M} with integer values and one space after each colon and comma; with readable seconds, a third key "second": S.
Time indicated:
{"hour": 1, "minute": 15}
